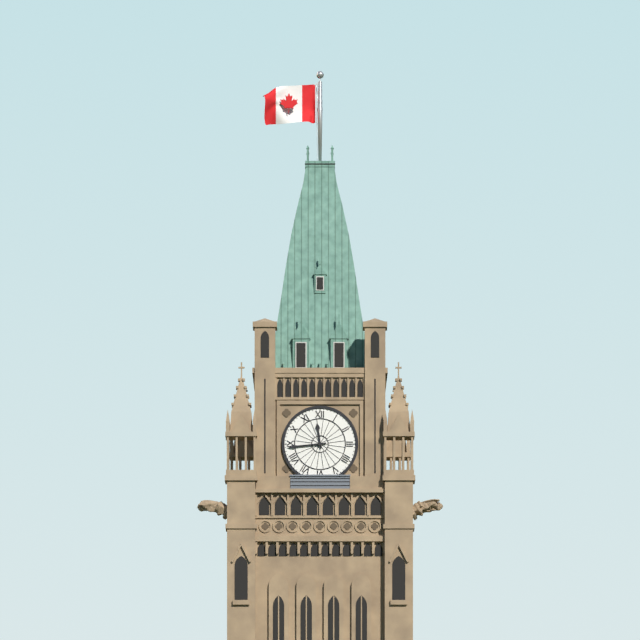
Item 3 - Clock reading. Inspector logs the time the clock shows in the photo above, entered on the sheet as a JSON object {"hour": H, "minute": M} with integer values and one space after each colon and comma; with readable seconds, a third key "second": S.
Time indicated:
{"hour": 11, "minute": 44}
